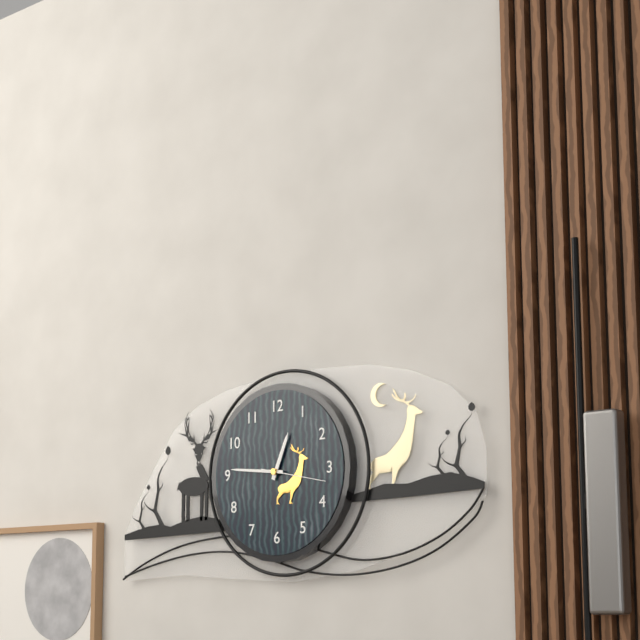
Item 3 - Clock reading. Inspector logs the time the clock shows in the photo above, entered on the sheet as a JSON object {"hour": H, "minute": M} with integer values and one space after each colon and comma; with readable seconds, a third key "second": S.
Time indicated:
{"hour": 12, "minute": 46, "second": 17}
